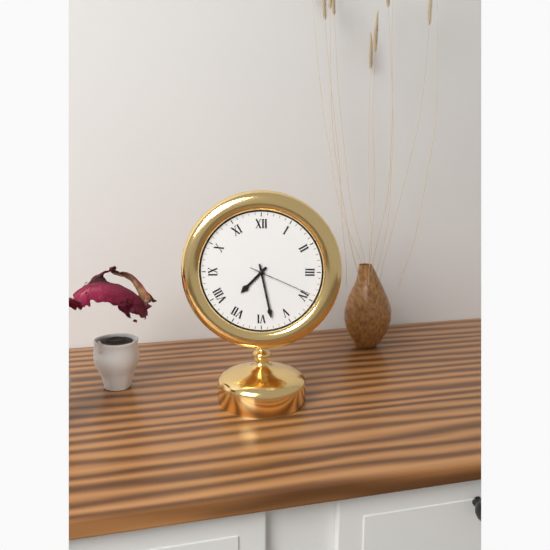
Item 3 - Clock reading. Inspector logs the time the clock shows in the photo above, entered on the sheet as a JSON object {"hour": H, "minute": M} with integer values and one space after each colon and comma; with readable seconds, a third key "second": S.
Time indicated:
{"hour": 7, "minute": 28, "second": 19}
